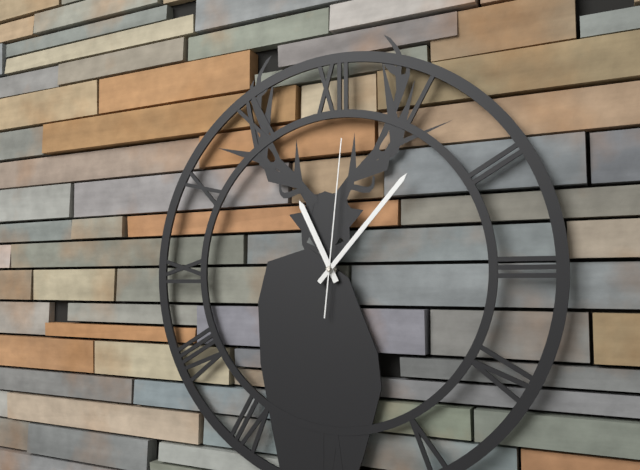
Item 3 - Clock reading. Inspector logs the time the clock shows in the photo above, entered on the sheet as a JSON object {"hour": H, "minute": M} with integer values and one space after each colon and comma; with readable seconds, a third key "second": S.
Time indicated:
{"hour": 11, "minute": 7, "second": 1}
